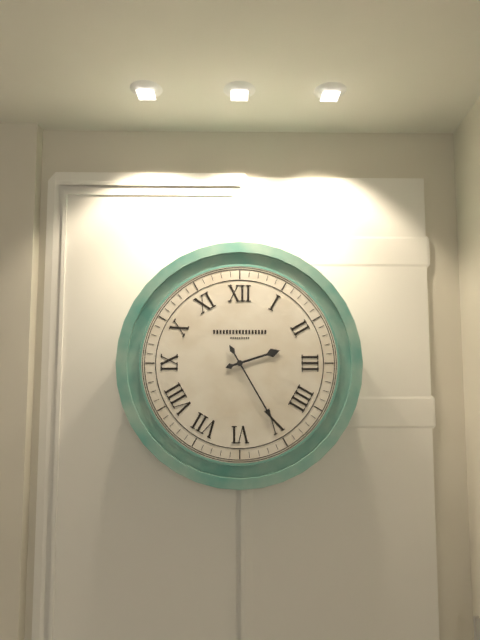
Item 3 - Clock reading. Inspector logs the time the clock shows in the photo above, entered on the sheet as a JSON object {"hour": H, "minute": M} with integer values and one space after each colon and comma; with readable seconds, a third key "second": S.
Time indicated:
{"hour": 2, "minute": 25}
